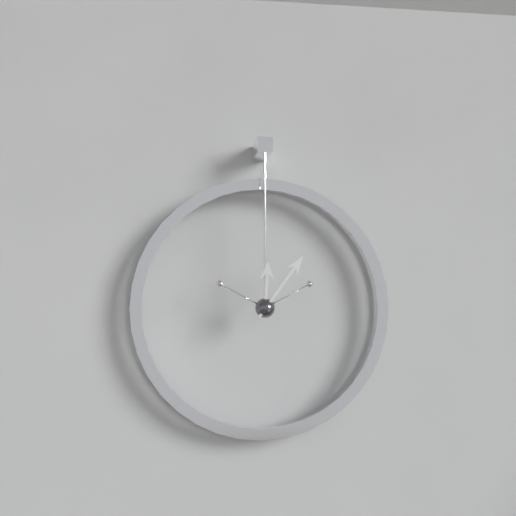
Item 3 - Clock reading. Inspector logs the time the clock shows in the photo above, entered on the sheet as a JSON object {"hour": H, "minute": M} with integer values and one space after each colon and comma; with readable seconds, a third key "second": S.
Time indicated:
{"hour": 12, "minute": 6}
